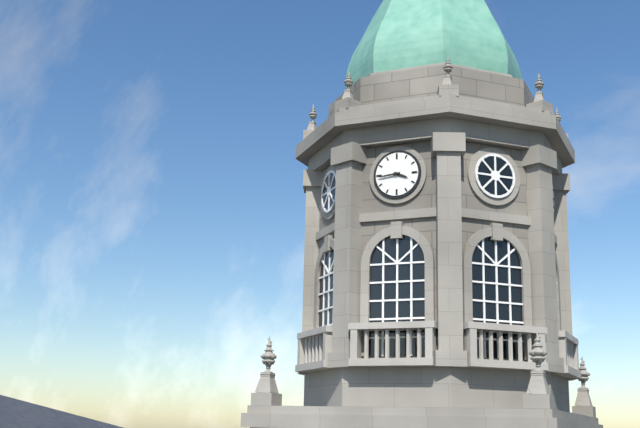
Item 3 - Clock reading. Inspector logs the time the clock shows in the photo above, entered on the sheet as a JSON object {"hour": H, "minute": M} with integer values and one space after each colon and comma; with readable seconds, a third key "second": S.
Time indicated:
{"hour": 3, "minute": 44}
